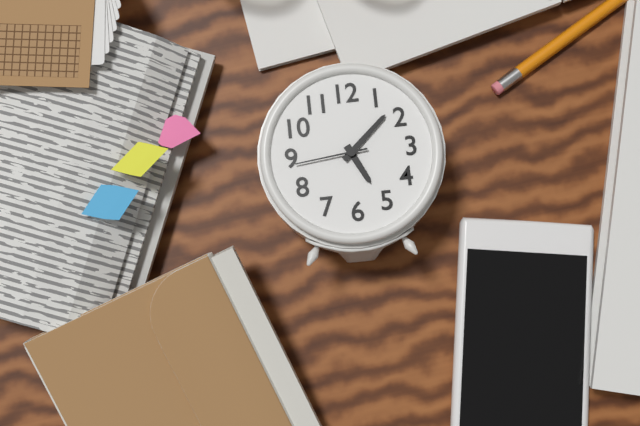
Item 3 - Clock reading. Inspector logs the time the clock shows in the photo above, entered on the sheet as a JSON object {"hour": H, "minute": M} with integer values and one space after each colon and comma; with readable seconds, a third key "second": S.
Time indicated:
{"hour": 5, "minute": 8, "second": 44}
